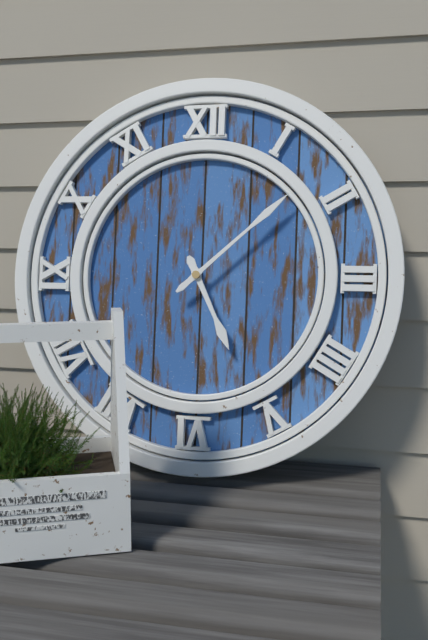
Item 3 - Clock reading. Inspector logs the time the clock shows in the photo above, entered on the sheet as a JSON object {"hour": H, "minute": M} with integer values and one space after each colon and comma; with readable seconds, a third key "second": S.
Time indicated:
{"hour": 5, "minute": 8}
